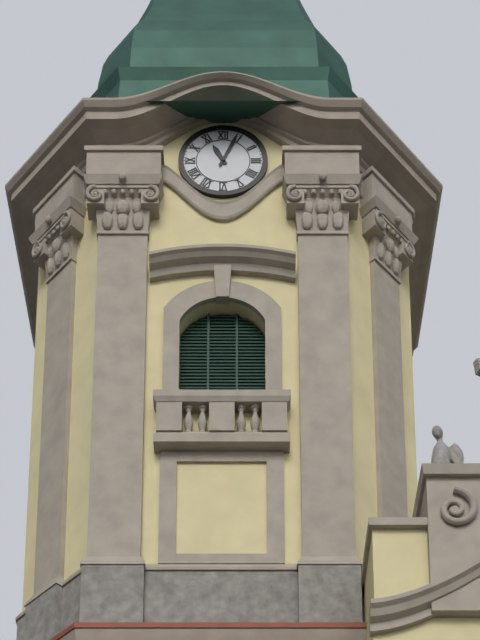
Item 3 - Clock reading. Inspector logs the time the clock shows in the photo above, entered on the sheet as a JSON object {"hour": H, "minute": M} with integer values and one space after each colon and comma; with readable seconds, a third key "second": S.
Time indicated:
{"hour": 11, "minute": 4}
